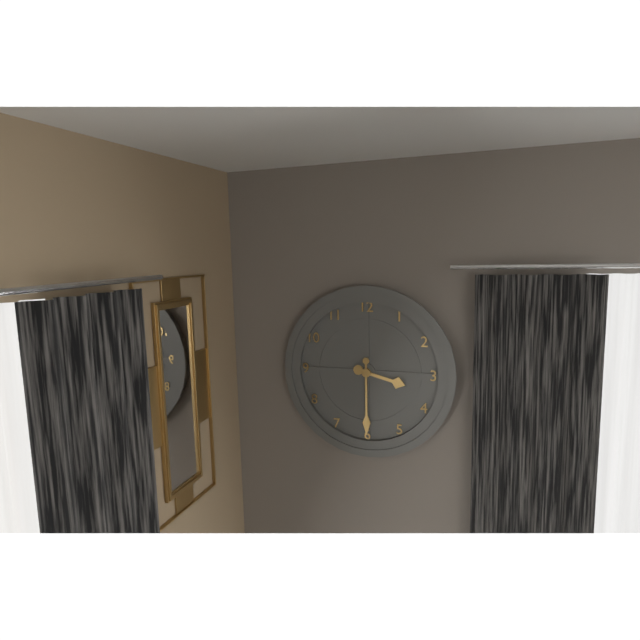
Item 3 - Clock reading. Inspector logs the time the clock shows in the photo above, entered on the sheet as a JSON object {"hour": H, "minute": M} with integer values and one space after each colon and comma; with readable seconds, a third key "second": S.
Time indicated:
{"hour": 3, "minute": 30}
